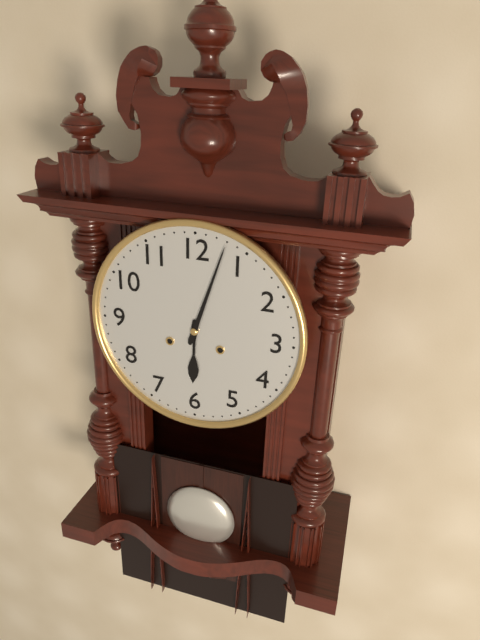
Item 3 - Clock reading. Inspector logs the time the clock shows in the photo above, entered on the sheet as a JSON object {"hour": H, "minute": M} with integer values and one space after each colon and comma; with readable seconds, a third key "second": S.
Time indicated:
{"hour": 6, "minute": 3}
